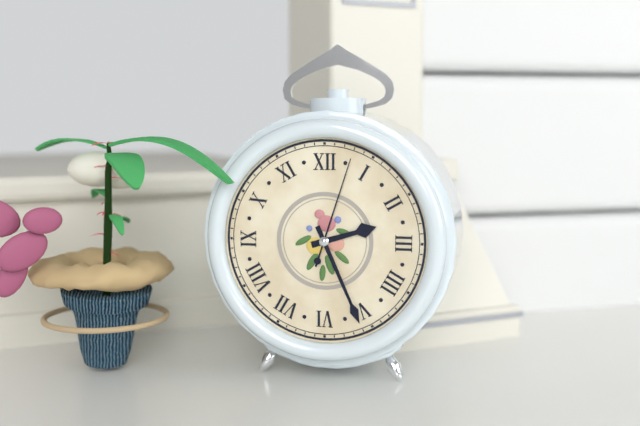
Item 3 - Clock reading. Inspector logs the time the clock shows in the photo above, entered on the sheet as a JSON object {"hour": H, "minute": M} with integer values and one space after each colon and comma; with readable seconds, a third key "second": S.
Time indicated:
{"hour": 2, "minute": 26, "second": 3}
